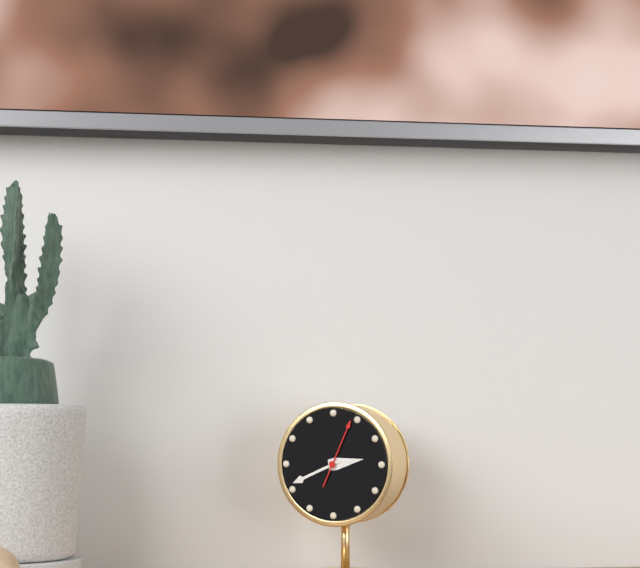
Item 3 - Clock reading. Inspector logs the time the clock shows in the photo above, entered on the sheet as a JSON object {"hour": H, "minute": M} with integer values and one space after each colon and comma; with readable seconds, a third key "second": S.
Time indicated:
{"hour": 2, "minute": 41, "second": 4}
